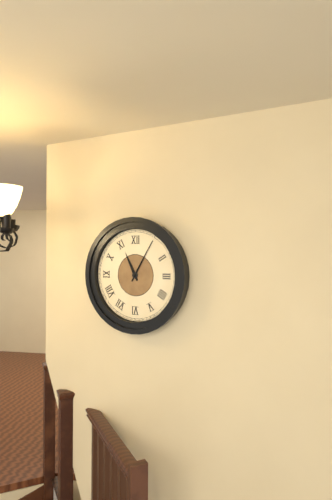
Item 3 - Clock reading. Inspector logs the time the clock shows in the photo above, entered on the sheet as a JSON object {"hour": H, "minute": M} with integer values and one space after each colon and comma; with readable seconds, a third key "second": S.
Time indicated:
{"hour": 11, "minute": 5}
